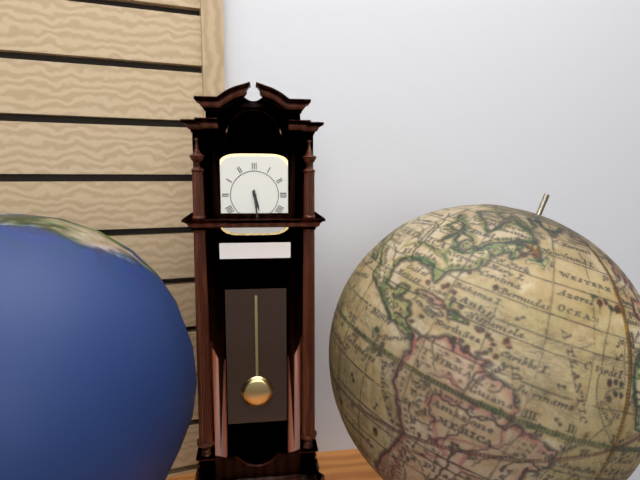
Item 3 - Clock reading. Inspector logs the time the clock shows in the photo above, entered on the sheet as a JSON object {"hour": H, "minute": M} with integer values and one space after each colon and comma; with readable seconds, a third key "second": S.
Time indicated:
{"hour": 5, "minute": 29}
